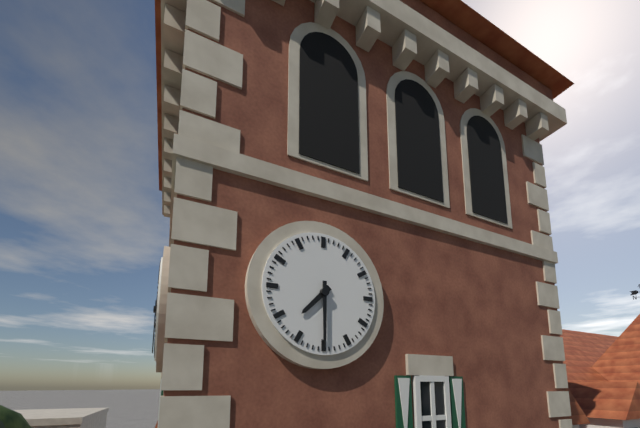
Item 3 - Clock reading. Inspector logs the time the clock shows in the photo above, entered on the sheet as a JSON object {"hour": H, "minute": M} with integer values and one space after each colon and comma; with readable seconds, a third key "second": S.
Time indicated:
{"hour": 7, "minute": 30}
